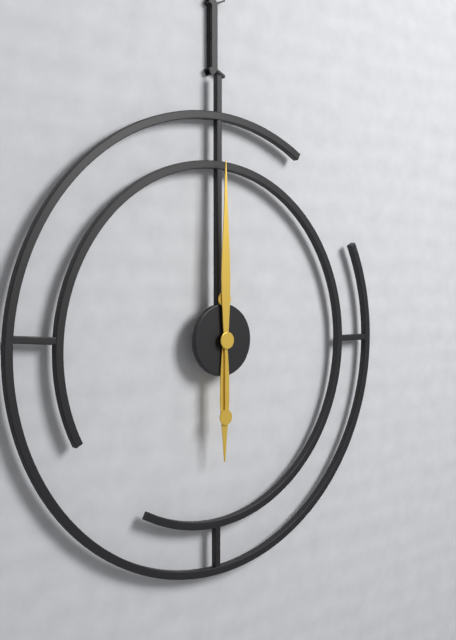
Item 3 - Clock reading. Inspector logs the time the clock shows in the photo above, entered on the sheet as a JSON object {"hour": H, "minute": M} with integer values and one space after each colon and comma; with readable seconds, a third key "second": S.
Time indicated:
{"hour": 6, "minute": 0}
